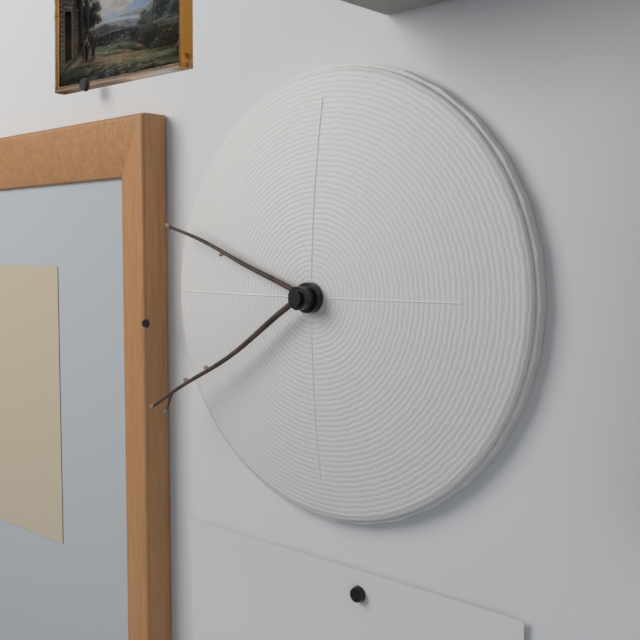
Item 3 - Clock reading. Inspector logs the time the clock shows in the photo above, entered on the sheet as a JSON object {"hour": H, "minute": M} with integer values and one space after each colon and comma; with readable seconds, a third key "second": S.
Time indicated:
{"hour": 9, "minute": 40}
